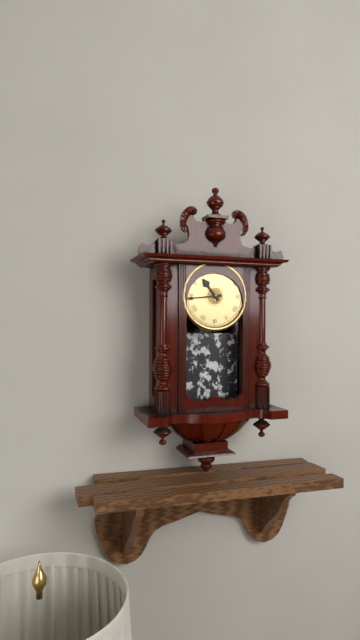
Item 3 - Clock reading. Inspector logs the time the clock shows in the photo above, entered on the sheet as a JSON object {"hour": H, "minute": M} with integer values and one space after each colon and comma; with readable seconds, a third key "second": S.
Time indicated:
{"hour": 10, "minute": 44}
